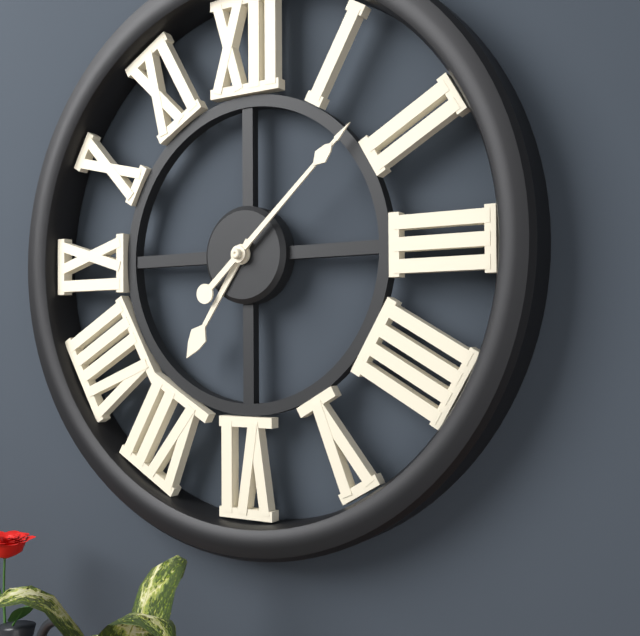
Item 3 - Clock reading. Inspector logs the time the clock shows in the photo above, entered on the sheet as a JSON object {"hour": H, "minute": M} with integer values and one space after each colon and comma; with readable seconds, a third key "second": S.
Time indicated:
{"hour": 7, "minute": 8}
